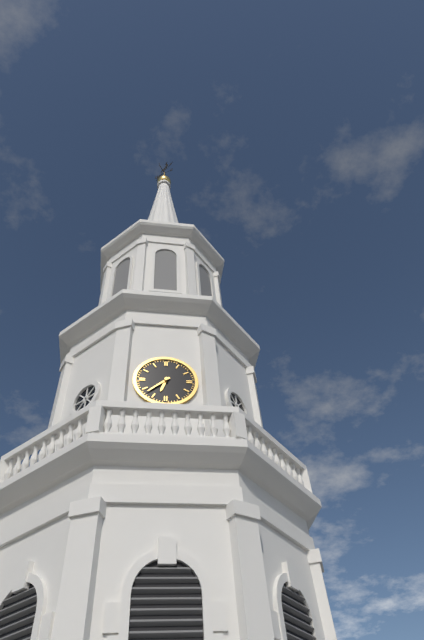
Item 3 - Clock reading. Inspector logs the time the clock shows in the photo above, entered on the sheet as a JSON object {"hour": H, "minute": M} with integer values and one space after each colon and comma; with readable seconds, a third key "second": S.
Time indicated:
{"hour": 6, "minute": 38}
